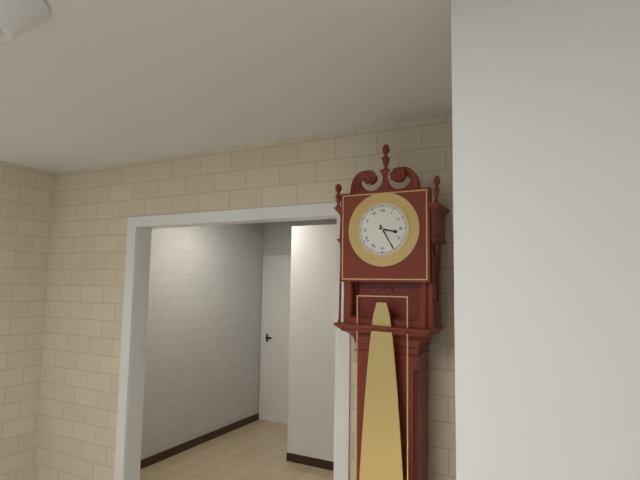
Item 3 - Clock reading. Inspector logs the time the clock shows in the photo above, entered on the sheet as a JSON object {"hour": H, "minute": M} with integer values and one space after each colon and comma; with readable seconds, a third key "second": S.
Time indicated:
{"hour": 3, "minute": 25}
